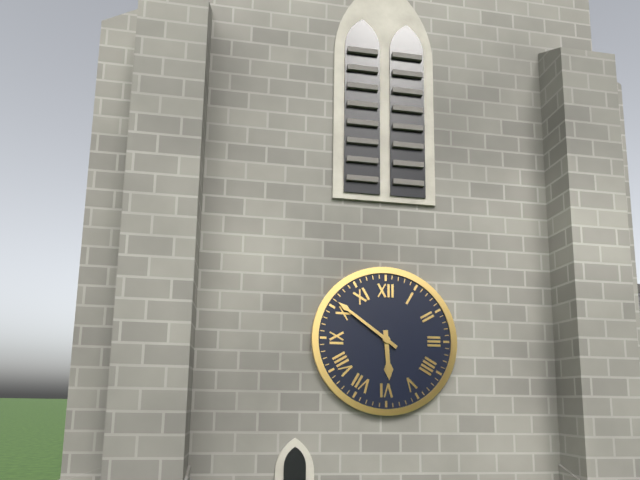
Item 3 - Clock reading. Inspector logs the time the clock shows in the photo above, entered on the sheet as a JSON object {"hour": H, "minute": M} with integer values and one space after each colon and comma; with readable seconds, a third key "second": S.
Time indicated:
{"hour": 5, "minute": 51}
